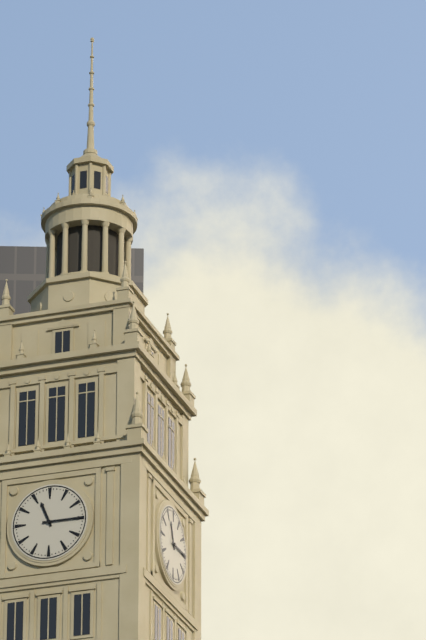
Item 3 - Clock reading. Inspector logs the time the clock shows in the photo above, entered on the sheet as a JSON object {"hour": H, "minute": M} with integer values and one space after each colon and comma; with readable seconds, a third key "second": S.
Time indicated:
{"hour": 11, "minute": 15}
